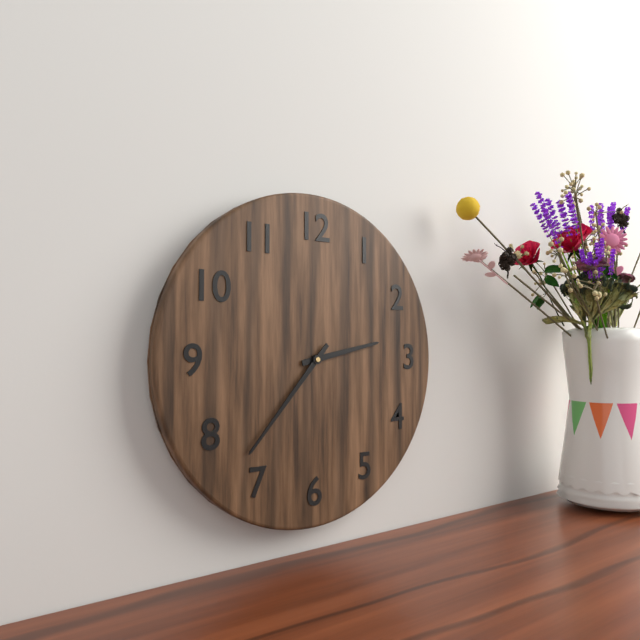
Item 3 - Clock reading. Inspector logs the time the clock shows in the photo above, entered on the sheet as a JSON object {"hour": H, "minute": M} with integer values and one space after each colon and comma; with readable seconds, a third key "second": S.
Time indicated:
{"hour": 2, "minute": 37}
